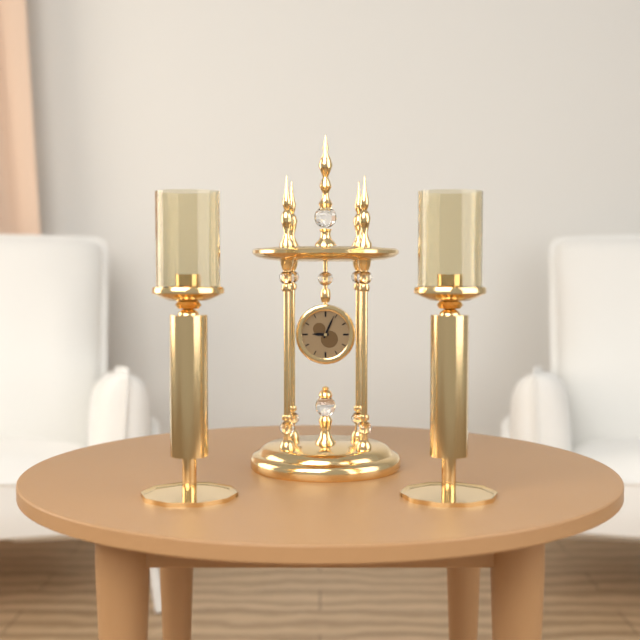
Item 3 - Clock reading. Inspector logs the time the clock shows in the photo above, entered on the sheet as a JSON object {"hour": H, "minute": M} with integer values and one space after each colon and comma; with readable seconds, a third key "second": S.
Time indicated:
{"hour": 9, "minute": 4}
